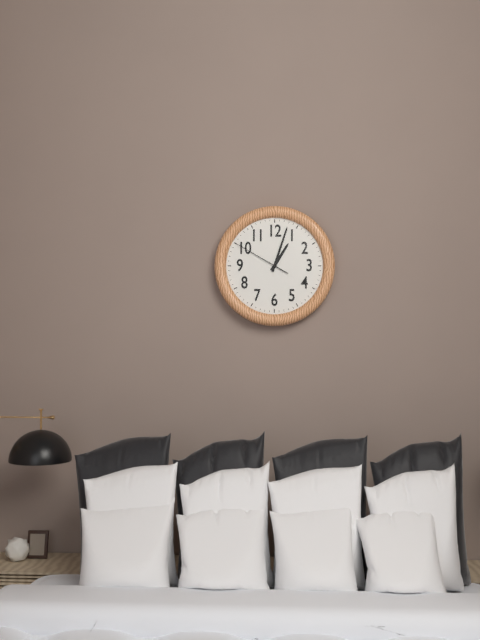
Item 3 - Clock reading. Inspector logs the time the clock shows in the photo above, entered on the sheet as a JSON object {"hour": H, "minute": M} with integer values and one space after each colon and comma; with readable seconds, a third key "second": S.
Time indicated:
{"hour": 1, "minute": 3, "second": 50}
